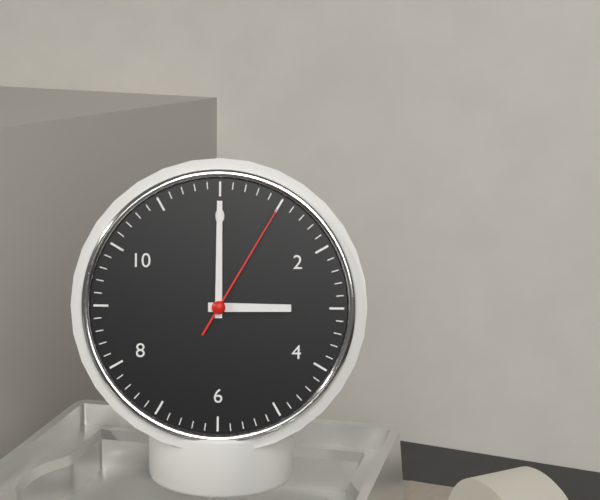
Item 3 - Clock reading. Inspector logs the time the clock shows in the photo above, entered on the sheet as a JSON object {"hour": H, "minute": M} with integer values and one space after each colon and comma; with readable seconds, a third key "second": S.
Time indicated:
{"hour": 3, "minute": 0, "second": 5}
